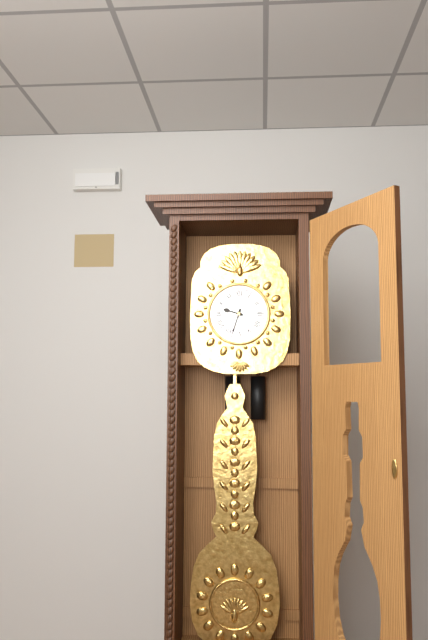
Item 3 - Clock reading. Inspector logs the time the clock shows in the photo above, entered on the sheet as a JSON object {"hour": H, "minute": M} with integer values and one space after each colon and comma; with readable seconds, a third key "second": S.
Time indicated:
{"hour": 9, "minute": 33}
